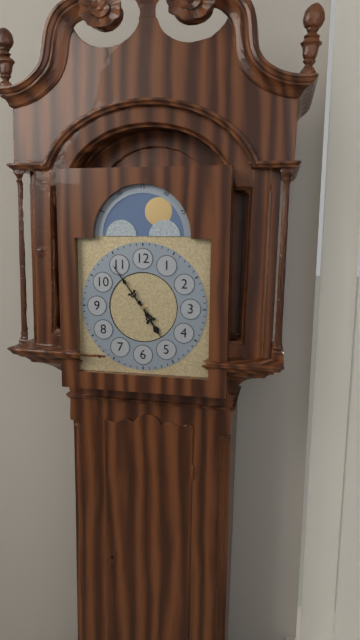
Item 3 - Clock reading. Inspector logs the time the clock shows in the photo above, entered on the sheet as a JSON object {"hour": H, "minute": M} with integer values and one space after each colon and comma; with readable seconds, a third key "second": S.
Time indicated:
{"hour": 4, "minute": 54}
